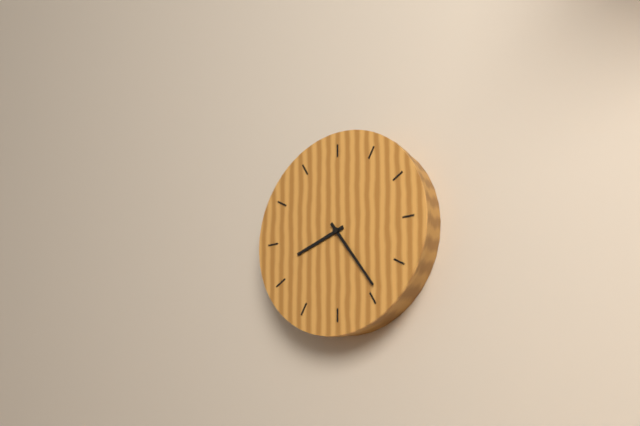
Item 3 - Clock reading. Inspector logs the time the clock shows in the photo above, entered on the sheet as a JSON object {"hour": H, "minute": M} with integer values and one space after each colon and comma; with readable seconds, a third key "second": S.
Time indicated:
{"hour": 8, "minute": 24}
